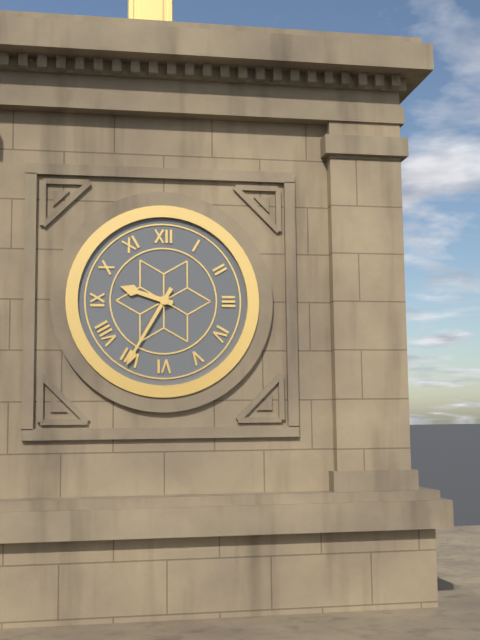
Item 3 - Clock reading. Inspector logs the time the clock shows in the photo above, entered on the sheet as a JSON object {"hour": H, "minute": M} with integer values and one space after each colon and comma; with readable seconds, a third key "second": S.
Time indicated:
{"hour": 9, "minute": 35}
